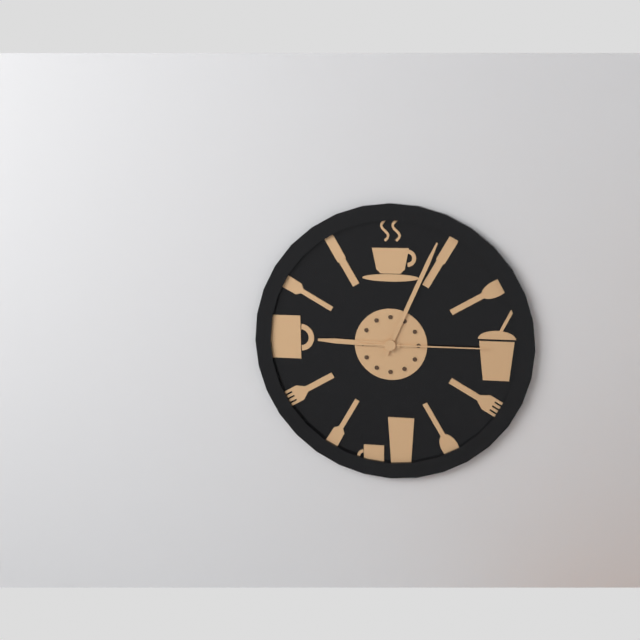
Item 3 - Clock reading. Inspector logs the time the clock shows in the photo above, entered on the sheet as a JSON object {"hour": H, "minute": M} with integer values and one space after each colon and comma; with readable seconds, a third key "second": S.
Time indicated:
{"hour": 9, "minute": 4, "second": 15}
